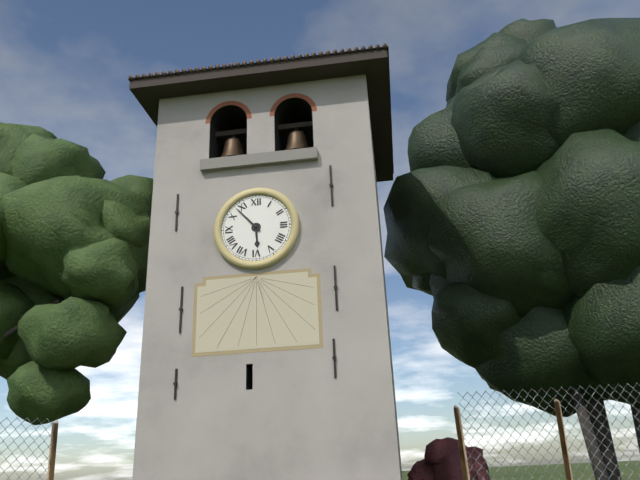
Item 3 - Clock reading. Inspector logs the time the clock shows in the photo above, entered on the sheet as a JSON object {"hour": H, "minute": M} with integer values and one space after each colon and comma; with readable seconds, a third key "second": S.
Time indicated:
{"hour": 5, "minute": 53}
